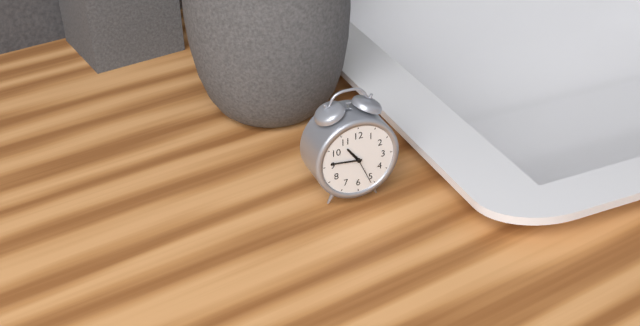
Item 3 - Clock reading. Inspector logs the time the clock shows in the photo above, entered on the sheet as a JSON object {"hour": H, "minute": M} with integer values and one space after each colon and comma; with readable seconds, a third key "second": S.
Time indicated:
{"hour": 10, "minute": 46}
